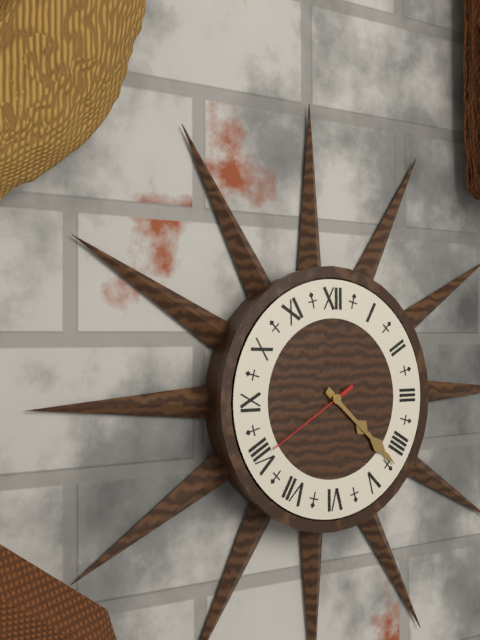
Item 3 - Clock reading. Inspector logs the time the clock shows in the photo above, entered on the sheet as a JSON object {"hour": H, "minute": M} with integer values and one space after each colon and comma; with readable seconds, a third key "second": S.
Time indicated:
{"hour": 4, "minute": 22, "second": 40}
